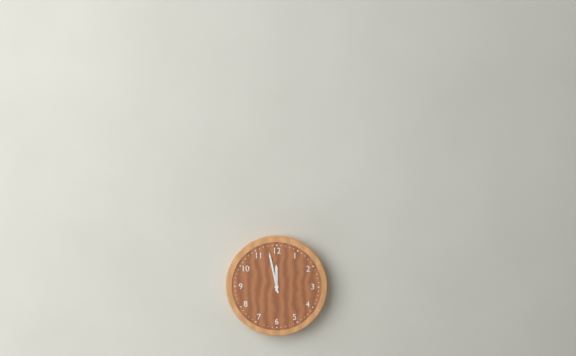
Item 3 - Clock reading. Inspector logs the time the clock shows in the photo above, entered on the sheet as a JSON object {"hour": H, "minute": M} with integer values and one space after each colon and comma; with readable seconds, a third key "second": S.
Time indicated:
{"hour": 11, "minute": 58}
